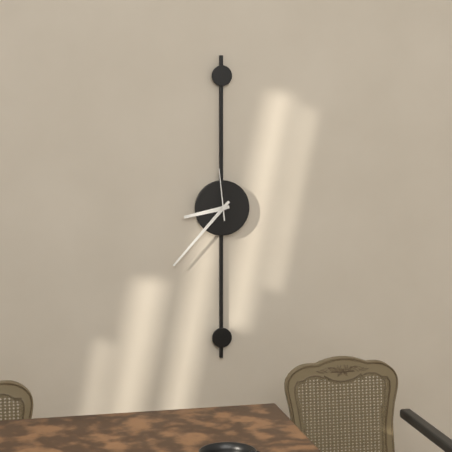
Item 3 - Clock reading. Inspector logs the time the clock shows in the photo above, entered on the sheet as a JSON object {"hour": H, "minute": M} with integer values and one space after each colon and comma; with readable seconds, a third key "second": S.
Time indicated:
{"hour": 8, "minute": 37, "second": 59}
